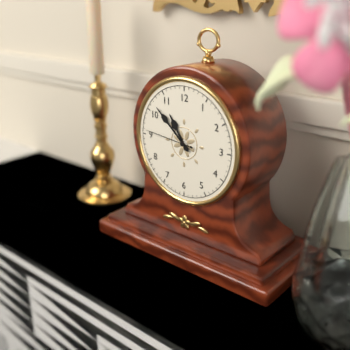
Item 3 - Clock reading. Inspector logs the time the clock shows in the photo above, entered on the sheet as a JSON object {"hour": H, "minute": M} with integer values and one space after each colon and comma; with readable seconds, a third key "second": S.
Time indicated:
{"hour": 10, "minute": 52}
